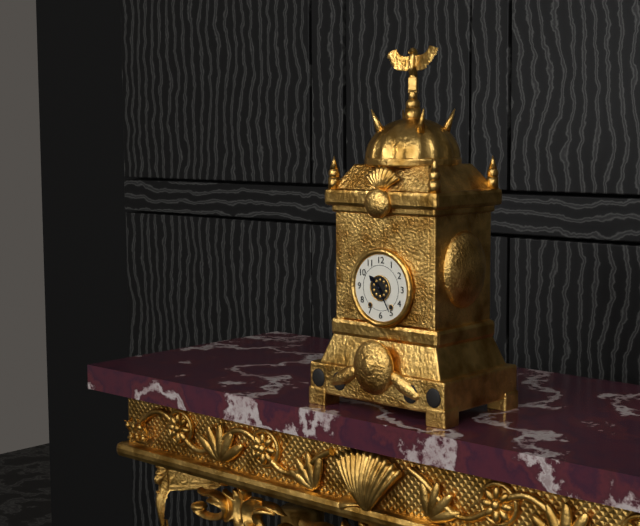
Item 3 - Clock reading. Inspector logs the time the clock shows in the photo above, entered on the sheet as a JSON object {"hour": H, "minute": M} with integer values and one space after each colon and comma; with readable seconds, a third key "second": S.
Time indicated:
{"hour": 10, "minute": 25}
